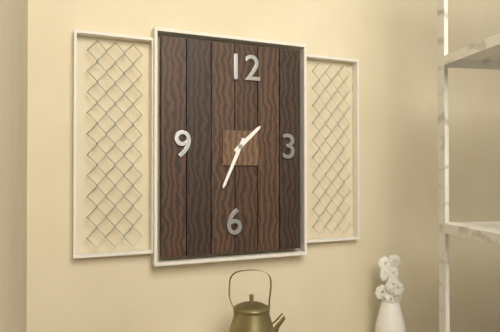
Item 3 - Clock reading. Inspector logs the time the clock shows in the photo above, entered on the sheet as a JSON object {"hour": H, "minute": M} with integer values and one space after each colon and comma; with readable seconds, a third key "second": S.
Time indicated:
{"hour": 1, "minute": 34}
